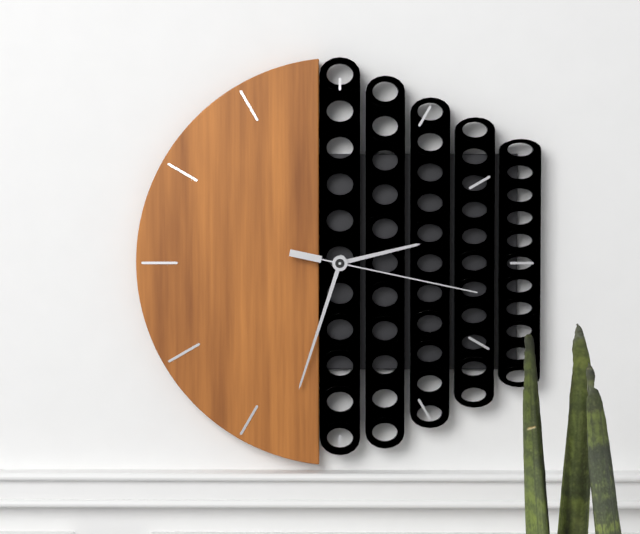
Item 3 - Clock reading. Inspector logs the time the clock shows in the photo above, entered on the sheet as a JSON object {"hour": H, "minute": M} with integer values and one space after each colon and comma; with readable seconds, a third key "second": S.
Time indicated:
{"hour": 2, "minute": 33, "second": 17}
